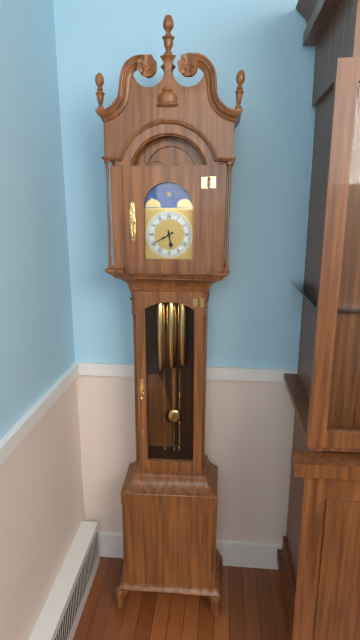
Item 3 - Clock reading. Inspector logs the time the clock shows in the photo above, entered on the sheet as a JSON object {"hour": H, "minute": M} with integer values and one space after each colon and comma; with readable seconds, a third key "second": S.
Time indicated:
{"hour": 5, "minute": 40}
